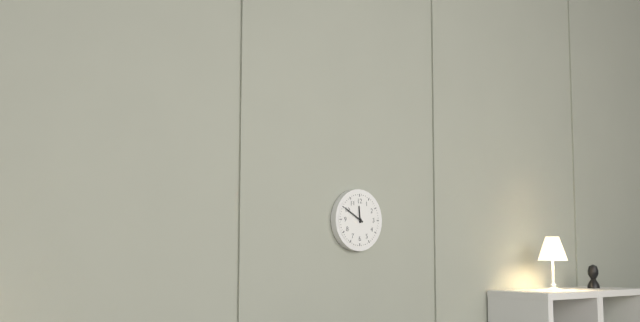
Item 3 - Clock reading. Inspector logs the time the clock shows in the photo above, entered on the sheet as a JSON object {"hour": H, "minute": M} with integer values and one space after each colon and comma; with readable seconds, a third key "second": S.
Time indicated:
{"hour": 11, "minute": 50}
